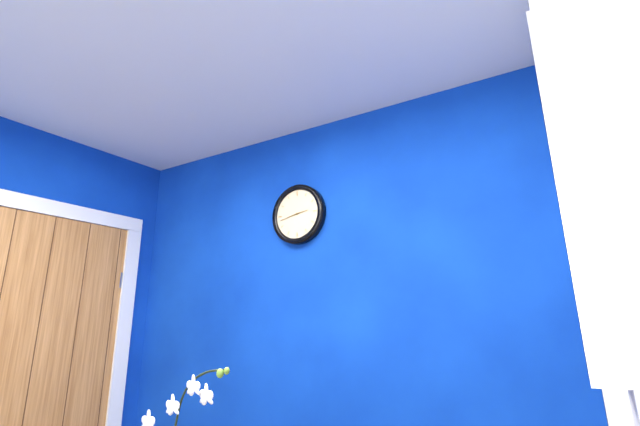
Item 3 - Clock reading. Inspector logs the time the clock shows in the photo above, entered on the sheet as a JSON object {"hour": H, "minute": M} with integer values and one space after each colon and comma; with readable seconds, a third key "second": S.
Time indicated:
{"hour": 2, "minute": 43}
